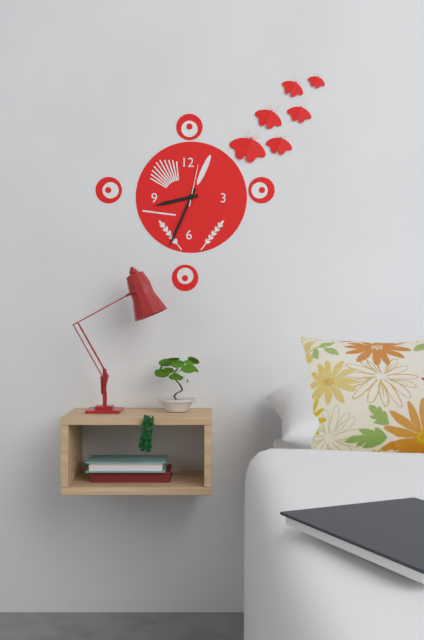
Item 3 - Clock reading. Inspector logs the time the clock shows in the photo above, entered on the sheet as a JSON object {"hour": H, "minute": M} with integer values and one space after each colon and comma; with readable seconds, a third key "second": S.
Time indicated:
{"hour": 8, "minute": 34}
